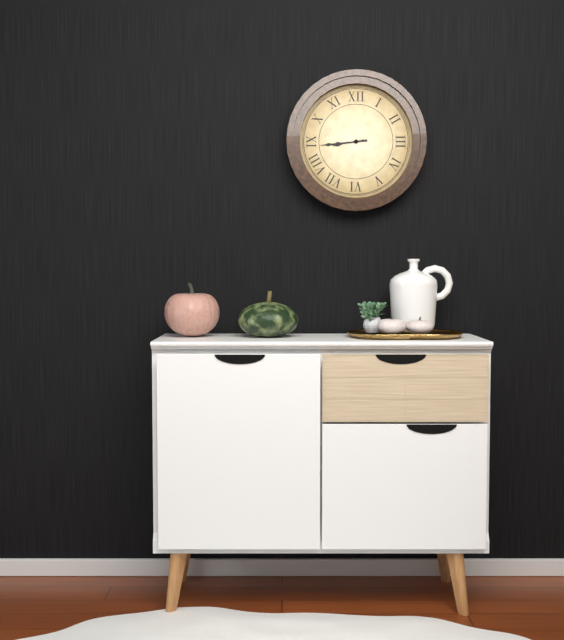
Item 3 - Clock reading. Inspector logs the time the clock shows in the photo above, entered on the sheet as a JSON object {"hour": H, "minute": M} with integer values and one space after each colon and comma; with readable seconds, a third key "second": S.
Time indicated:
{"hour": 8, "minute": 44}
